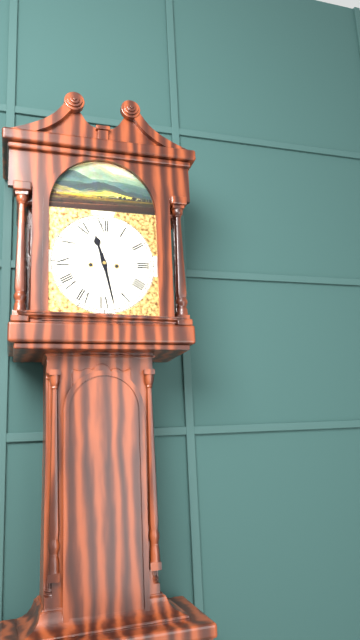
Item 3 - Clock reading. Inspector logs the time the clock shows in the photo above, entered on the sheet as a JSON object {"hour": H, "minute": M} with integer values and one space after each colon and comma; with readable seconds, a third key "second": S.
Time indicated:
{"hour": 11, "minute": 28}
